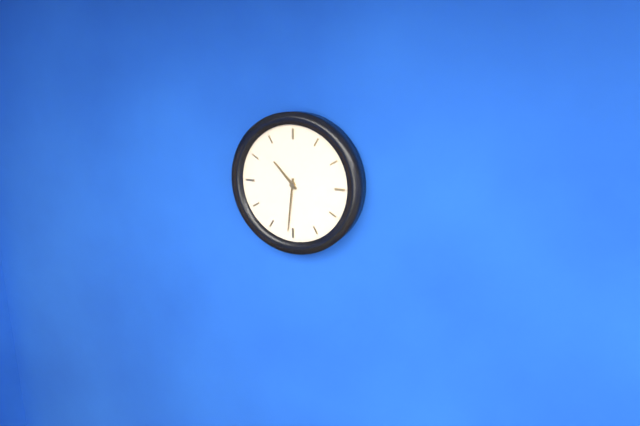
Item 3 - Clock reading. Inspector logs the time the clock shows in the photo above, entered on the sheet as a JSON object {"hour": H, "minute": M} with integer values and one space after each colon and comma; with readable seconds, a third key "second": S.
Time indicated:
{"hour": 10, "minute": 31}
